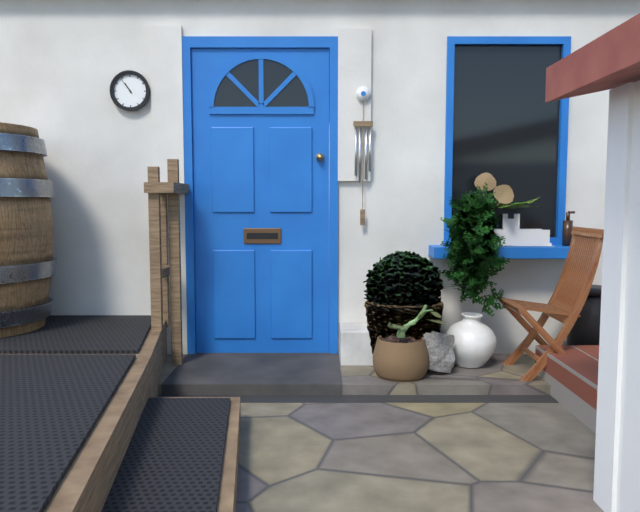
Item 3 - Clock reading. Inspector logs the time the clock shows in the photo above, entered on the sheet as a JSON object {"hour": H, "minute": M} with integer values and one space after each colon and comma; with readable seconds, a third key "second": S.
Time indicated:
{"hour": 10, "minute": 54}
